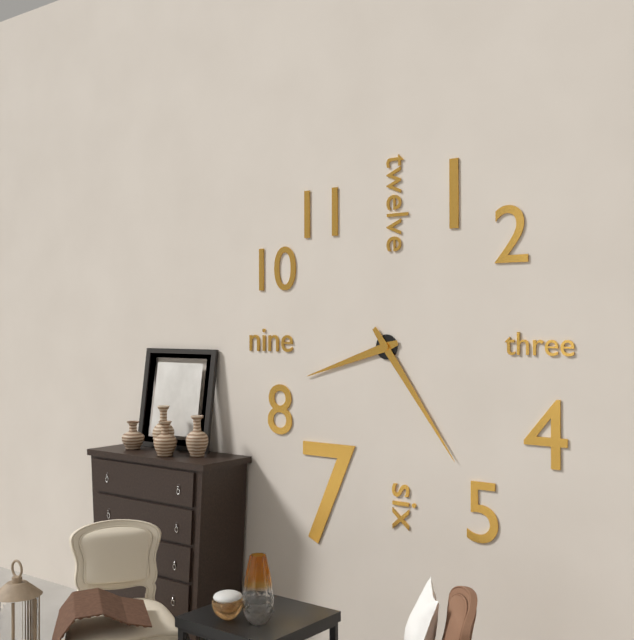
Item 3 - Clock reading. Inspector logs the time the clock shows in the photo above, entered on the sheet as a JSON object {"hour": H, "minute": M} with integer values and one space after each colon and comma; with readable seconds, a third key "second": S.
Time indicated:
{"hour": 8, "minute": 24}
